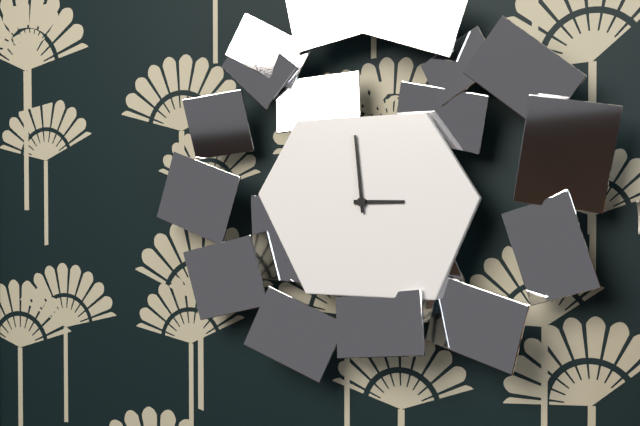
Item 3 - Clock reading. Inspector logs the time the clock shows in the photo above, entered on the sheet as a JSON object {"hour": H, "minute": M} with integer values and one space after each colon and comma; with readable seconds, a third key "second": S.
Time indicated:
{"hour": 2, "minute": 59}
